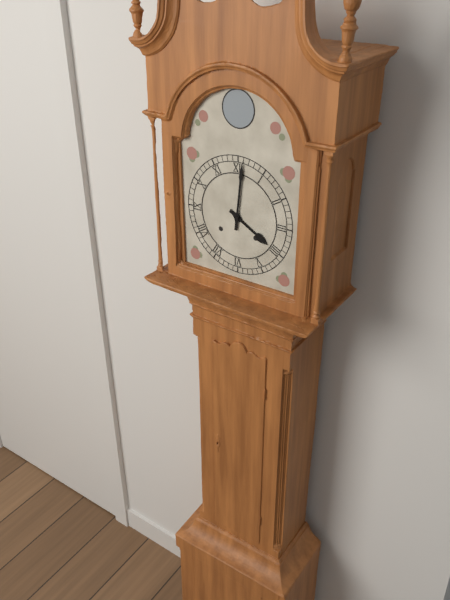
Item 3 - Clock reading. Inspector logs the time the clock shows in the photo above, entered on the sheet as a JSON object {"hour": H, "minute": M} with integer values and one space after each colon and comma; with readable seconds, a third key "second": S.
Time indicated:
{"hour": 4, "minute": 1}
